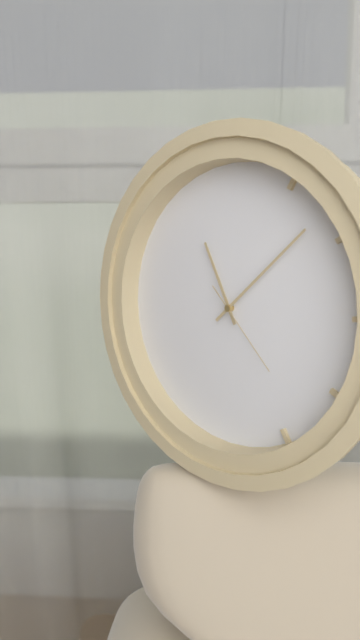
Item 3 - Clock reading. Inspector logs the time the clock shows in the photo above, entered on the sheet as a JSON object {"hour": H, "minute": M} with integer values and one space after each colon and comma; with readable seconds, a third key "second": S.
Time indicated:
{"hour": 11, "minute": 8, "second": 23}
